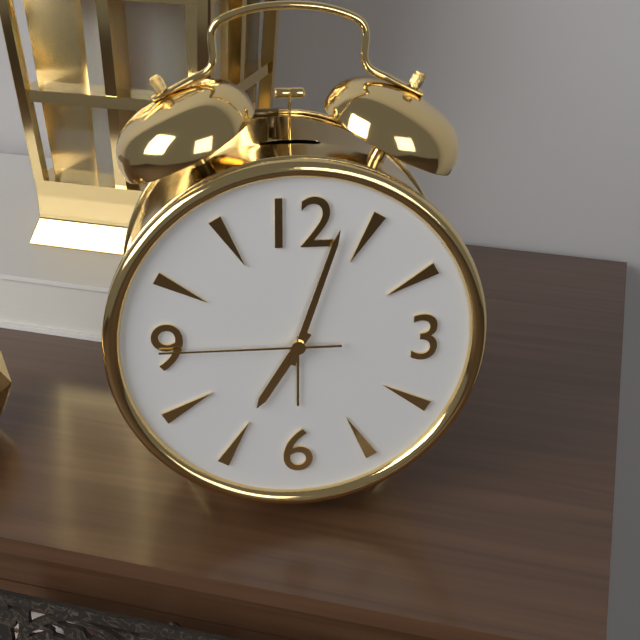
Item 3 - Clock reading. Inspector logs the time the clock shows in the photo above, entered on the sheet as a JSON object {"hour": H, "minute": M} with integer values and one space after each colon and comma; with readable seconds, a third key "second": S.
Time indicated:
{"hour": 7, "minute": 3, "second": 45}
